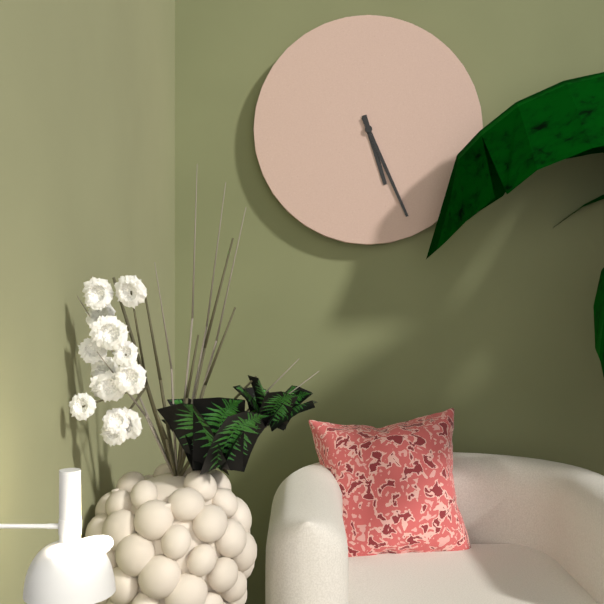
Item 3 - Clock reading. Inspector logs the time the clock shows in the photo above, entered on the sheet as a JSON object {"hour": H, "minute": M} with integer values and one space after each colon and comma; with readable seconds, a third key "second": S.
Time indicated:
{"hour": 5, "minute": 26}
